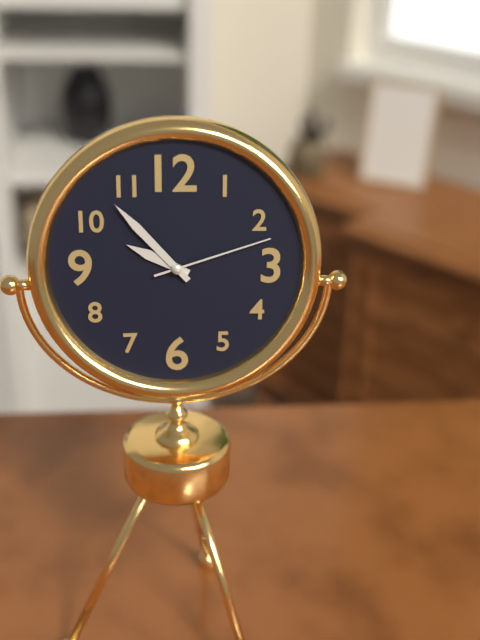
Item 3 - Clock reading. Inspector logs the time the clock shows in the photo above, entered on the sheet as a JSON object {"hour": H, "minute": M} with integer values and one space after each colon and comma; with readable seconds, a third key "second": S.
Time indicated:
{"hour": 9, "minute": 53, "second": 12}
